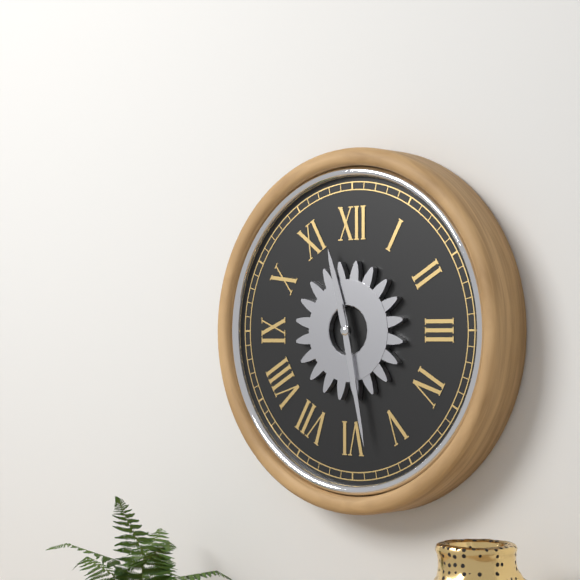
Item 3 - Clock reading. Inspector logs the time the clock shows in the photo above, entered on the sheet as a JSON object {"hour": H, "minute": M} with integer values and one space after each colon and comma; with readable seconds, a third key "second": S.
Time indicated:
{"hour": 11, "minute": 28}
